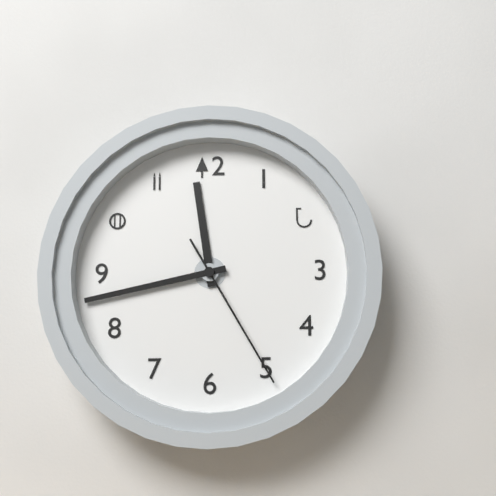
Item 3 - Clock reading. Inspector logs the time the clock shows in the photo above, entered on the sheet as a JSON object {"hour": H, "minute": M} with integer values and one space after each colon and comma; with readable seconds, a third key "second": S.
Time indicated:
{"hour": 11, "minute": 43, "second": 25}
